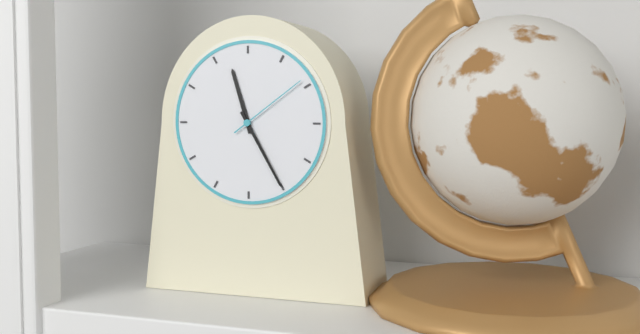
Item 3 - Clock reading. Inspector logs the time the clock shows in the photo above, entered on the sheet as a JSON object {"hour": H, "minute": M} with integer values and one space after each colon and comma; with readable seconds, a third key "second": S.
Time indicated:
{"hour": 11, "minute": 25, "second": 9}
